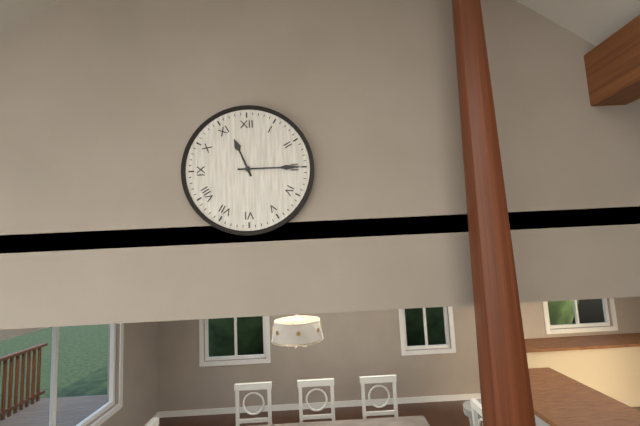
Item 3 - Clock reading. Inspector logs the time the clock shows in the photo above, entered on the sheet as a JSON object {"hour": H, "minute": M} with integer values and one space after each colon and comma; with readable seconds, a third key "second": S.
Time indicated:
{"hour": 11, "minute": 15}
